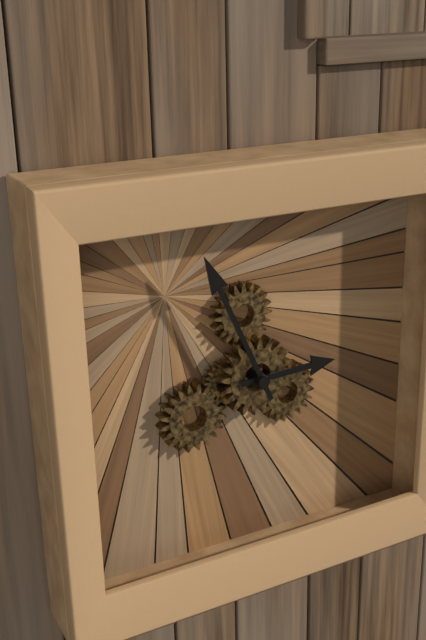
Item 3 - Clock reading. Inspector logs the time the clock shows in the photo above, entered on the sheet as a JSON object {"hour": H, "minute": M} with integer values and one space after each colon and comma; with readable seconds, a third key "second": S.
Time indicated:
{"hour": 2, "minute": 56}
